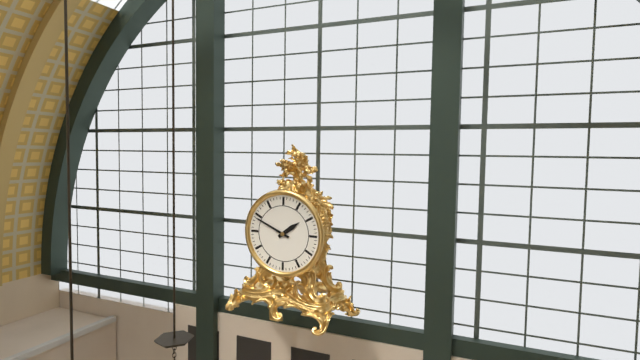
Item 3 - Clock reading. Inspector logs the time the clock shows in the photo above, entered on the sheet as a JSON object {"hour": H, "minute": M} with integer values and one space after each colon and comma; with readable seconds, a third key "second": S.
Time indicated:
{"hour": 1, "minute": 49}
